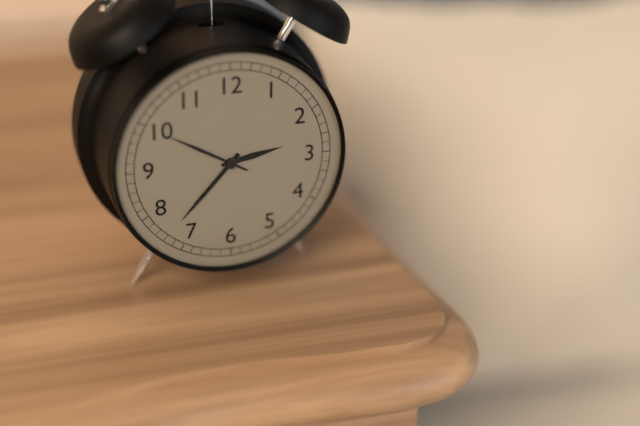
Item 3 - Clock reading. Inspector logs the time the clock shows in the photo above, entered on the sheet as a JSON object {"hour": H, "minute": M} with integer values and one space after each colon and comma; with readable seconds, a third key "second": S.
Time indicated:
{"hour": 2, "minute": 37, "second": 50}
